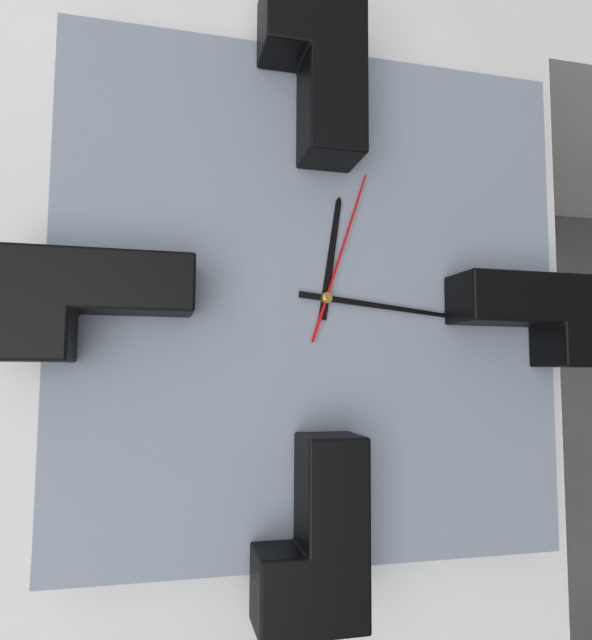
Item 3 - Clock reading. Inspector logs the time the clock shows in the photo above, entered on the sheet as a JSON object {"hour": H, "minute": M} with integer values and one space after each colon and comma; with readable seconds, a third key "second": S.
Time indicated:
{"hour": 12, "minute": 16, "second": 3}
